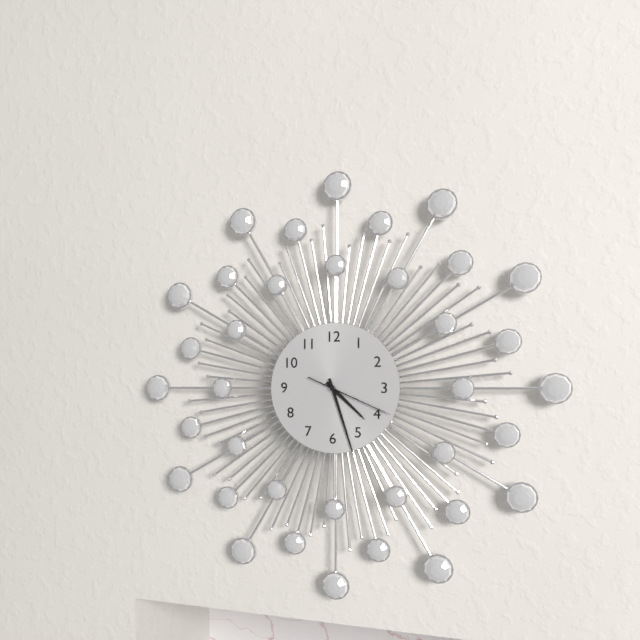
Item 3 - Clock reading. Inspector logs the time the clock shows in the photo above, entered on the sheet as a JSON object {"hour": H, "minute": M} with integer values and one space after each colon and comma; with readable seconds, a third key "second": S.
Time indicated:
{"hour": 4, "minute": 27, "second": 19}
